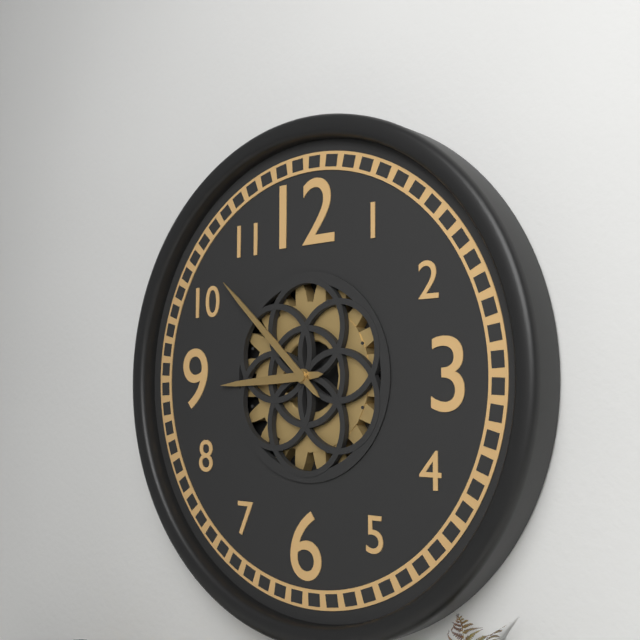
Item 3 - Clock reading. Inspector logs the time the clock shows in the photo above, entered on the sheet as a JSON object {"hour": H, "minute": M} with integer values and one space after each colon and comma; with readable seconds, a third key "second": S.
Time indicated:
{"hour": 8, "minute": 52}
